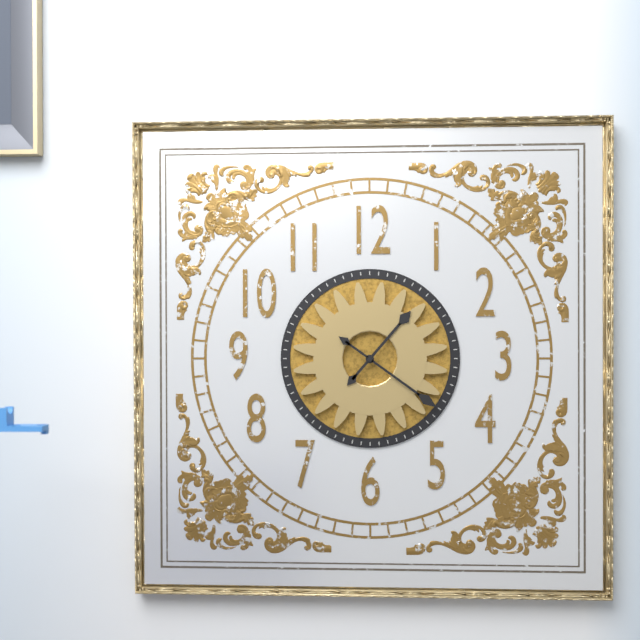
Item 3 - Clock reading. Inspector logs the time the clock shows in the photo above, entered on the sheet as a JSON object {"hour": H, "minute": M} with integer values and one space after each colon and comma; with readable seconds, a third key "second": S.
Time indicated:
{"hour": 1, "minute": 21}
